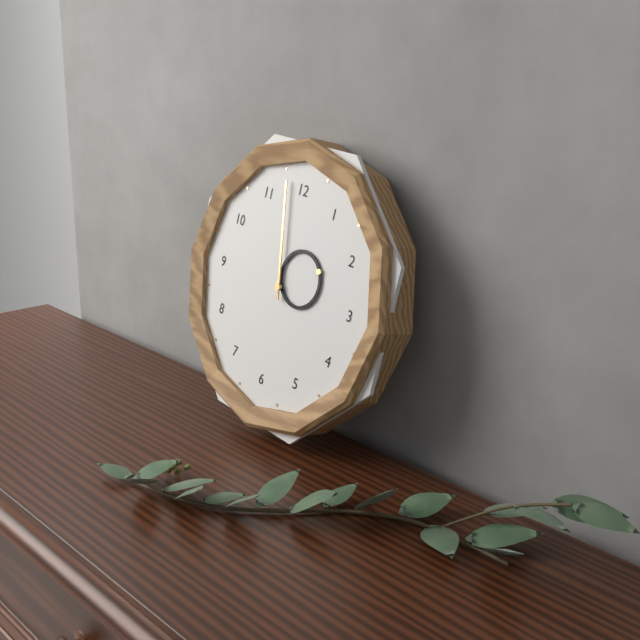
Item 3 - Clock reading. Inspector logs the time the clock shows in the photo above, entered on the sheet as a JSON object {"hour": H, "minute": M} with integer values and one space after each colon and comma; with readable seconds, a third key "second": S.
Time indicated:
{"hour": 1, "minute": 58}
